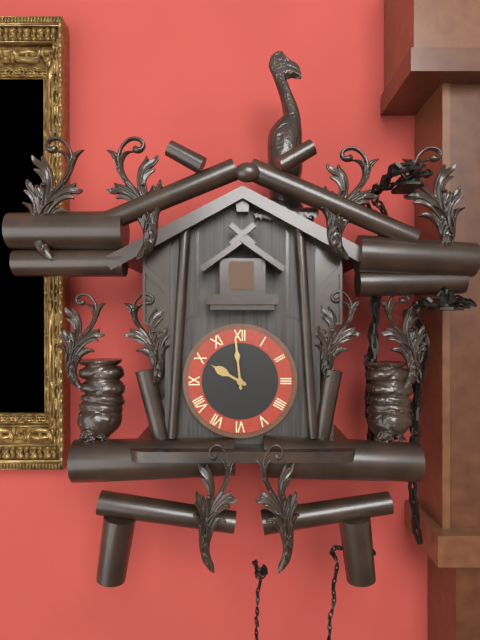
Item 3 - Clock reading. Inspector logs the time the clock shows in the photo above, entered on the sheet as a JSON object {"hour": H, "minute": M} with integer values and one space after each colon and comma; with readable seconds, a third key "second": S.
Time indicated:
{"hour": 9, "minute": 59}
